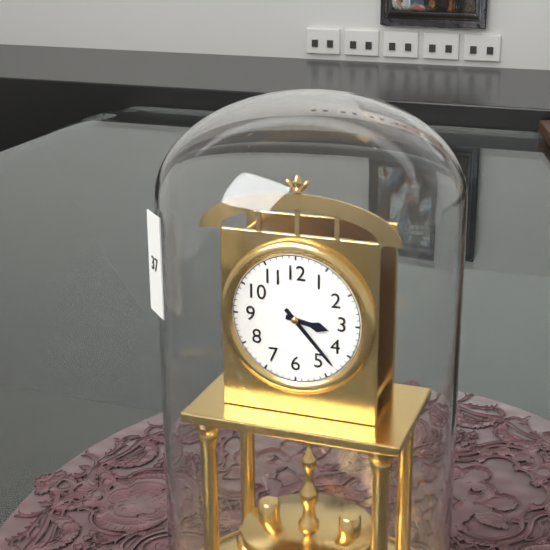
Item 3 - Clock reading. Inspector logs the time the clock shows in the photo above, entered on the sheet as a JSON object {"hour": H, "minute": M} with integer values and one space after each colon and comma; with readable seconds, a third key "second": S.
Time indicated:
{"hour": 3, "minute": 23}
